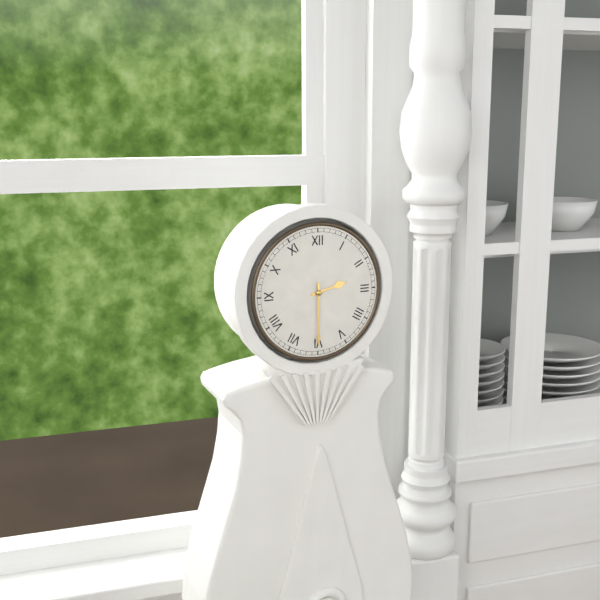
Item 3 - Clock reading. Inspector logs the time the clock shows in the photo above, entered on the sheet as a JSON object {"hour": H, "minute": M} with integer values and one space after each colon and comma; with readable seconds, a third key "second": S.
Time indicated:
{"hour": 2, "minute": 30}
